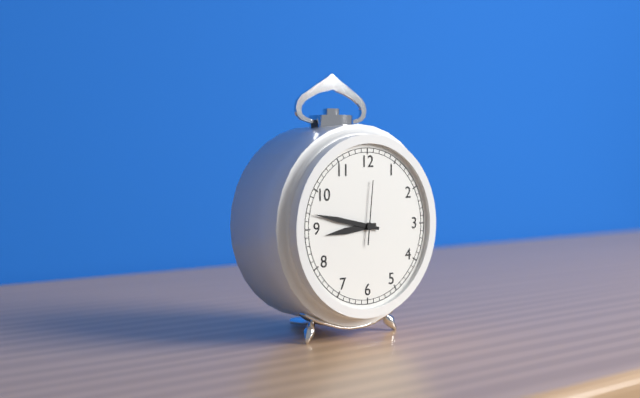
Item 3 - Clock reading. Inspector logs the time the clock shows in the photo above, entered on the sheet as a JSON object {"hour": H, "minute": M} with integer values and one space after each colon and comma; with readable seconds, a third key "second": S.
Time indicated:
{"hour": 8, "minute": 47, "second": 1}
